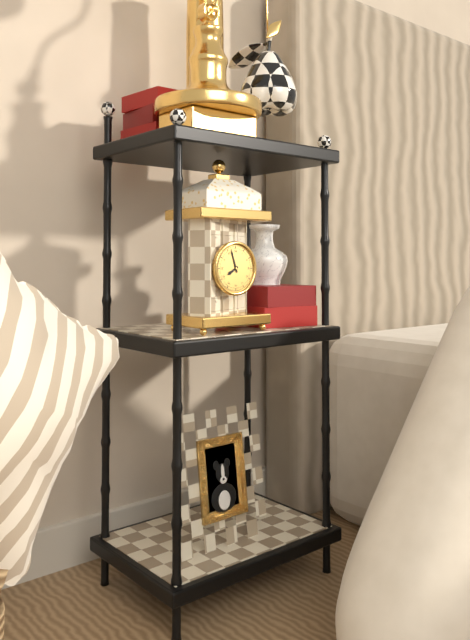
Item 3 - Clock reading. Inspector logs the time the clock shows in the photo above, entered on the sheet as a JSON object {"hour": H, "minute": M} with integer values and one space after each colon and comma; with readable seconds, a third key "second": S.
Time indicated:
{"hour": 7, "minute": 57}
